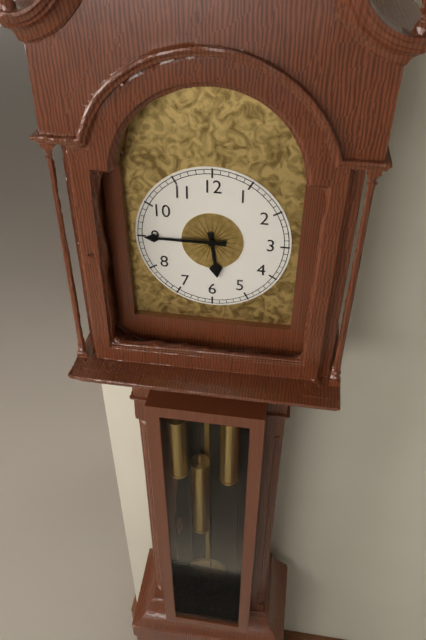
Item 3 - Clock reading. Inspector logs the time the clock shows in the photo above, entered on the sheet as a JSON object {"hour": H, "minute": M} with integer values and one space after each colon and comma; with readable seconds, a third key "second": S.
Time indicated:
{"hour": 5, "minute": 45}
